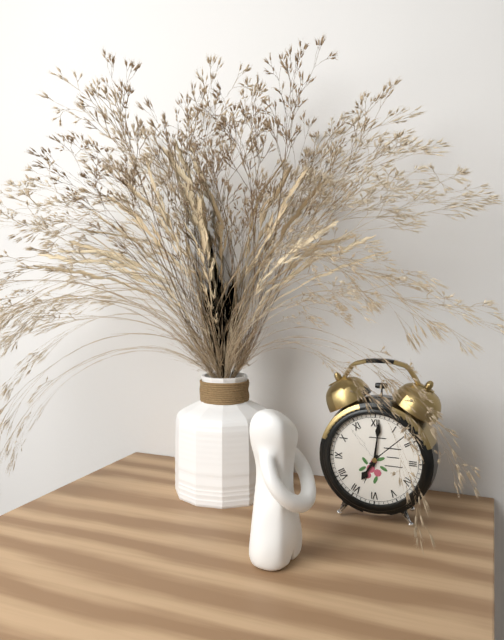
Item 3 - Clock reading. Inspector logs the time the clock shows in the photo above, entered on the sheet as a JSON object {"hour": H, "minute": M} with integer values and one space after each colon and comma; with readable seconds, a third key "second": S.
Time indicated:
{"hour": 7, "minute": 1}
